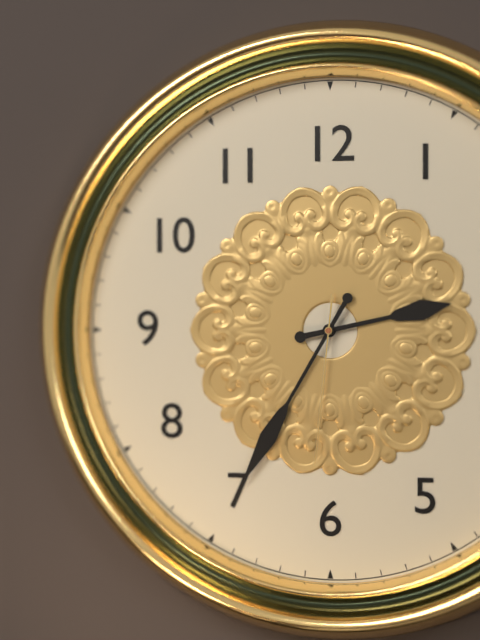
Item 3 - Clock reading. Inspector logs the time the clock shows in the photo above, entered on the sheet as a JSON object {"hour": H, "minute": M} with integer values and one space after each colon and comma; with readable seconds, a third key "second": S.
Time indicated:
{"hour": 2, "minute": 35, "second": 31}
